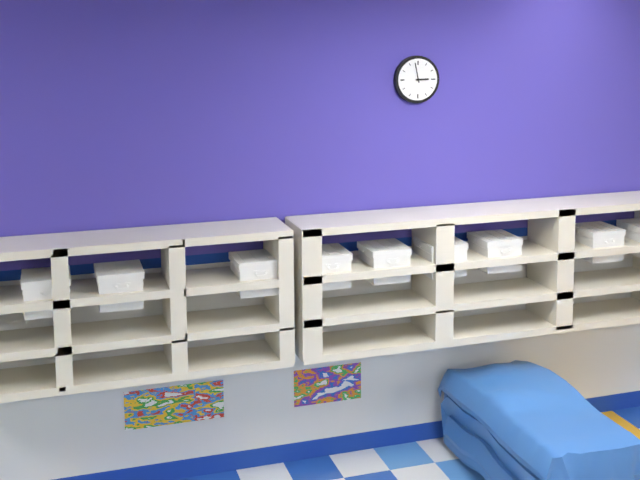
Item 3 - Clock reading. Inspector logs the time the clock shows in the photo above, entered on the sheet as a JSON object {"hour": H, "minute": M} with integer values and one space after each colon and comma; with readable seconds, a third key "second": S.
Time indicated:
{"hour": 2, "minute": 58}
